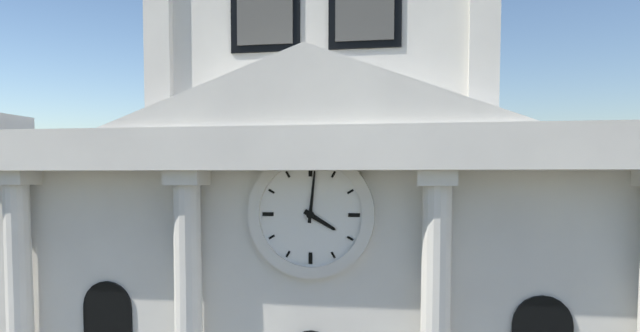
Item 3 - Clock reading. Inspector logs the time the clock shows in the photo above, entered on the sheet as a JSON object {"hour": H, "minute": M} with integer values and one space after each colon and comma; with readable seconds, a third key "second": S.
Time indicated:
{"hour": 4, "minute": 1}
